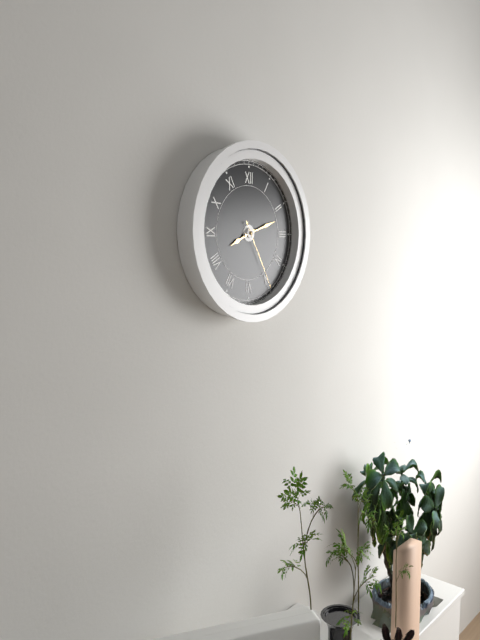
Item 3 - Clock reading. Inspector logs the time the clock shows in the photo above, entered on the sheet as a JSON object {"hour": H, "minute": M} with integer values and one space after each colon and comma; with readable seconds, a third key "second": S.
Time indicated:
{"hour": 8, "minute": 12, "second": 25}
